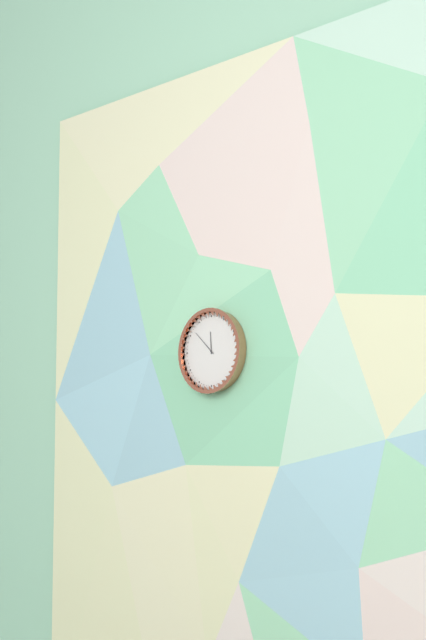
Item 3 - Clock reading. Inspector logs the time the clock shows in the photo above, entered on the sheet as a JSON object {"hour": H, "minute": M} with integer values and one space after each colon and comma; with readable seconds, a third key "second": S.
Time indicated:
{"hour": 11, "minute": 52}
